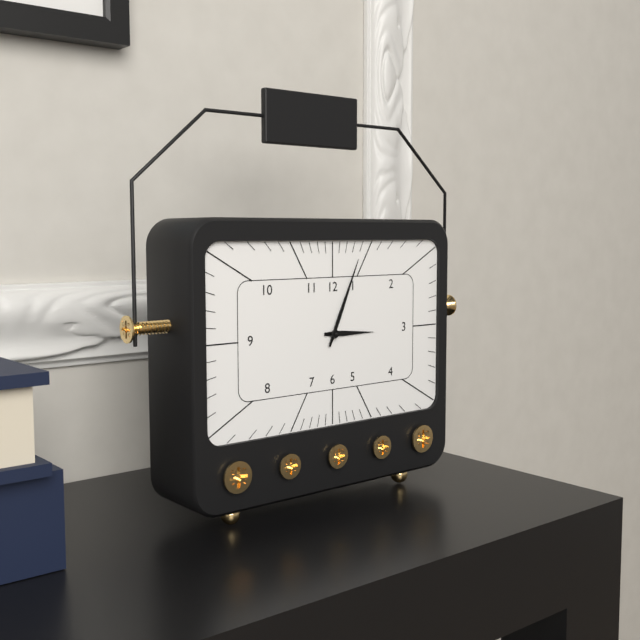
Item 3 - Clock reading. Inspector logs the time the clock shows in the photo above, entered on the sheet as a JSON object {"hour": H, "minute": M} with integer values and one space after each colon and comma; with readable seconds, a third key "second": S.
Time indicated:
{"hour": 3, "minute": 4}
